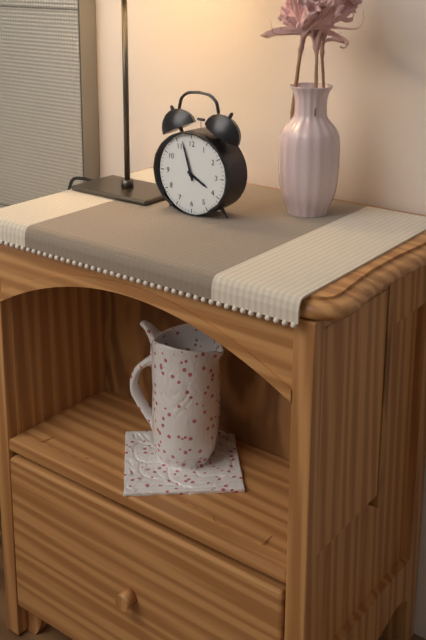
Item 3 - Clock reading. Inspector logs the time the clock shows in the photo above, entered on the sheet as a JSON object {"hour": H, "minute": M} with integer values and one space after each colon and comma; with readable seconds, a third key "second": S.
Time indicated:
{"hour": 3, "minute": 57}
